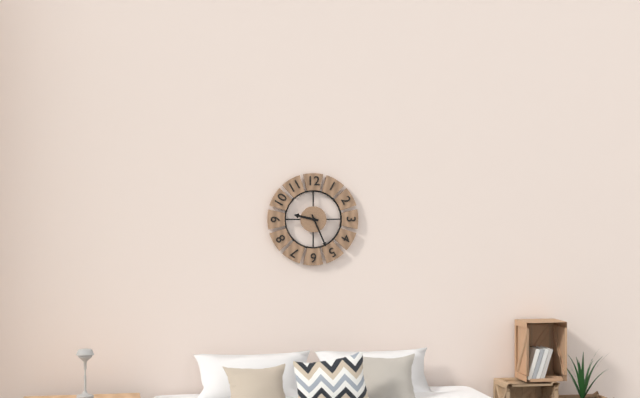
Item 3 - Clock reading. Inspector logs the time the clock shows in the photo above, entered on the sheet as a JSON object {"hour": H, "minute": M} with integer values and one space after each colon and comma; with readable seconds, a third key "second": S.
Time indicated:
{"hour": 9, "minute": 26}
